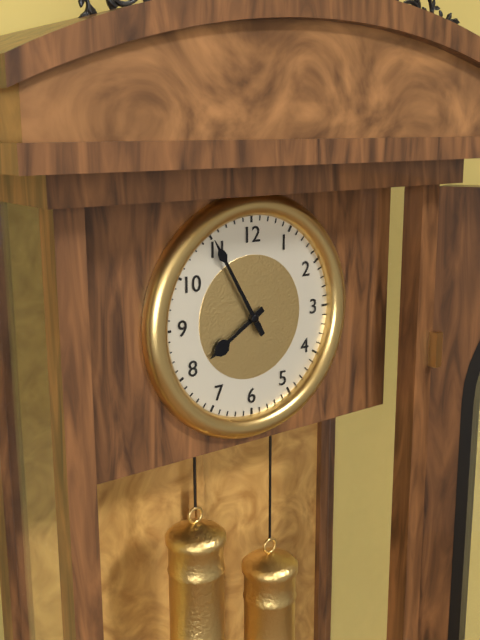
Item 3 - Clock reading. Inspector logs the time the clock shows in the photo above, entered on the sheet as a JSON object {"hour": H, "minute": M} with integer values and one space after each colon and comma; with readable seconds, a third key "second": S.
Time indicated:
{"hour": 7, "minute": 55}
